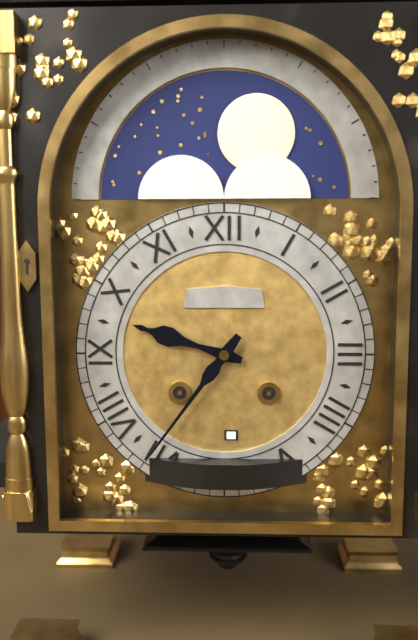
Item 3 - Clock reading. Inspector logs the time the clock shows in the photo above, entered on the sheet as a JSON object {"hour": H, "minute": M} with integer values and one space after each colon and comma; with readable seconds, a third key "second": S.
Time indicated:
{"hour": 9, "minute": 36}
